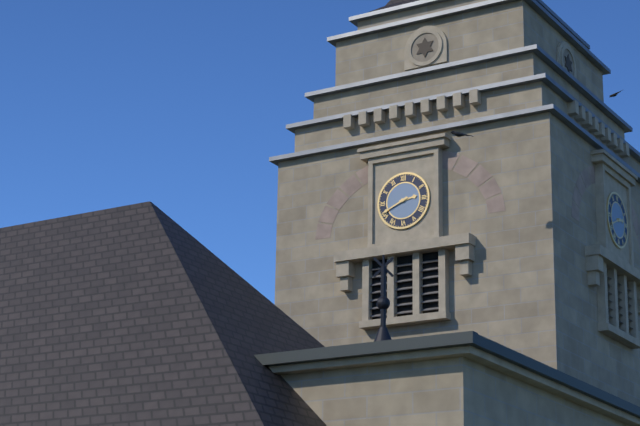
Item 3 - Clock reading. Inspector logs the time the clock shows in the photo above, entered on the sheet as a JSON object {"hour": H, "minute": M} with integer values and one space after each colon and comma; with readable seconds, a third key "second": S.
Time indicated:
{"hour": 2, "minute": 41}
